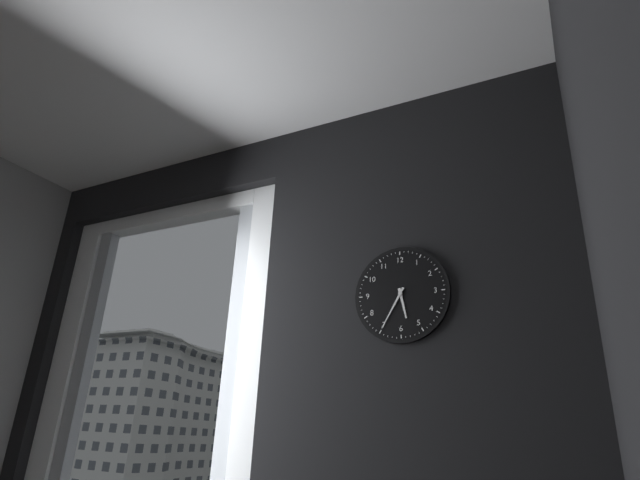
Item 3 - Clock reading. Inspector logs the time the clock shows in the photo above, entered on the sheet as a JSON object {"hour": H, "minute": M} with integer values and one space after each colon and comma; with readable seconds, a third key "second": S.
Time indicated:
{"hour": 5, "minute": 35}
